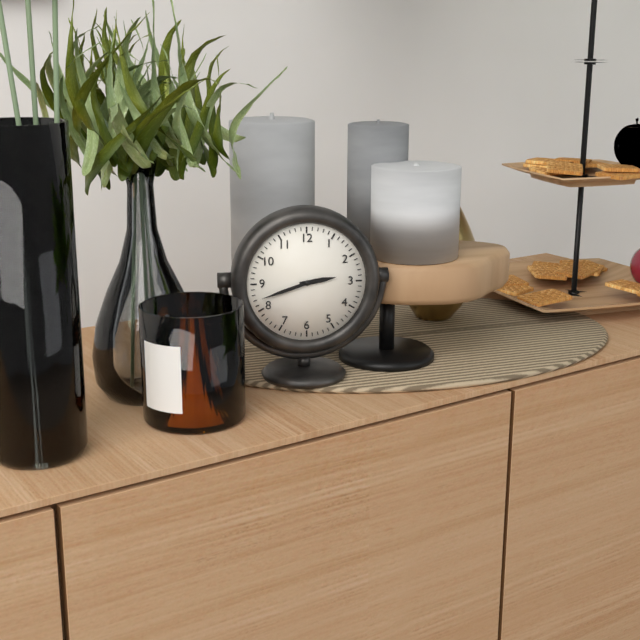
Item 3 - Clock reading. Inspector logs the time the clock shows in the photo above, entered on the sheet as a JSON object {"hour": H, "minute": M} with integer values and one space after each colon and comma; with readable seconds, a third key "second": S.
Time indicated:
{"hour": 2, "minute": 42}
